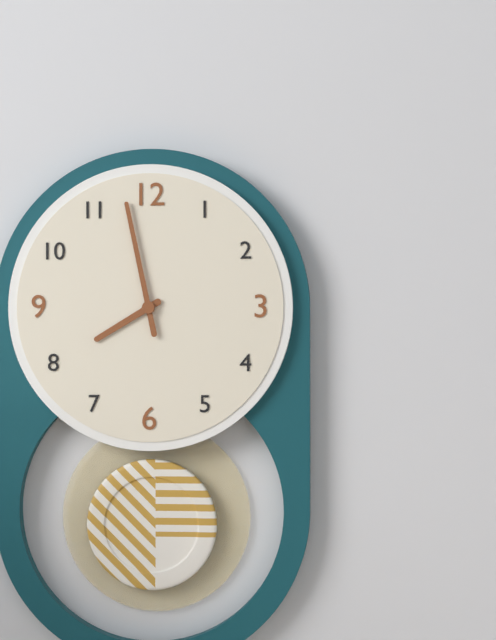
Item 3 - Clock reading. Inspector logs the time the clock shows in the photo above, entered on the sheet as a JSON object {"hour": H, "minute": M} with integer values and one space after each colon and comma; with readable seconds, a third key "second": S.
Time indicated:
{"hour": 7, "minute": 58}
